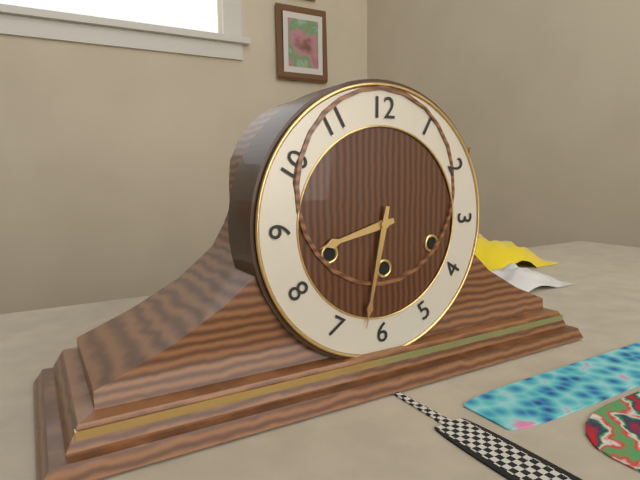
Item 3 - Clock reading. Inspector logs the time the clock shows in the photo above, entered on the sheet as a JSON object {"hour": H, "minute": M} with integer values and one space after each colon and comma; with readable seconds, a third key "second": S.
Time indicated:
{"hour": 8, "minute": 32}
